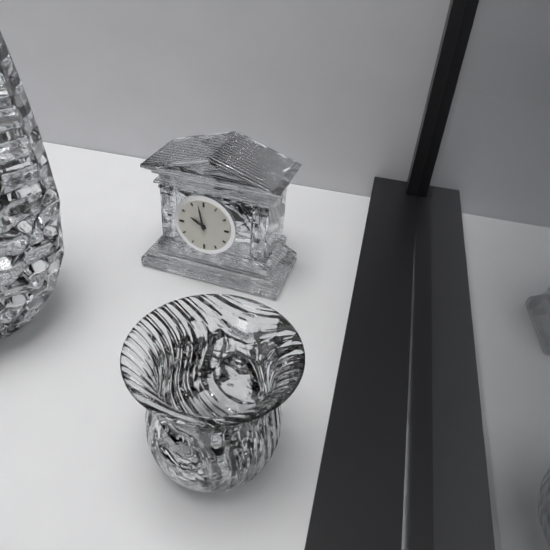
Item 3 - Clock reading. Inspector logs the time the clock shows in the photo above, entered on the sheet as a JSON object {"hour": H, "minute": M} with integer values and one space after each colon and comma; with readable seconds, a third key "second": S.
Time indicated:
{"hour": 9, "minute": 58}
